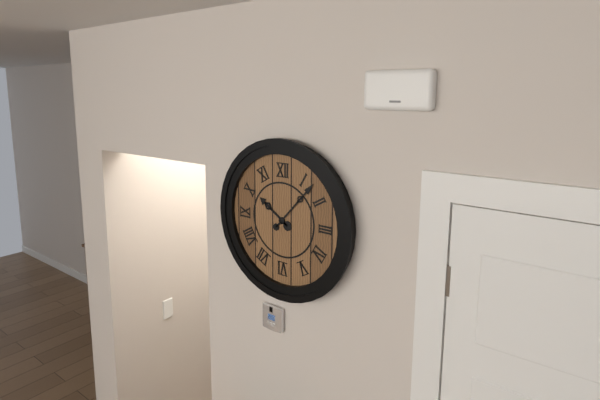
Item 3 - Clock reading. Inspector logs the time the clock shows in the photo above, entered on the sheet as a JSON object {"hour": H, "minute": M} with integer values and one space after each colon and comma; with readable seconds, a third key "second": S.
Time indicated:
{"hour": 10, "minute": 7}
